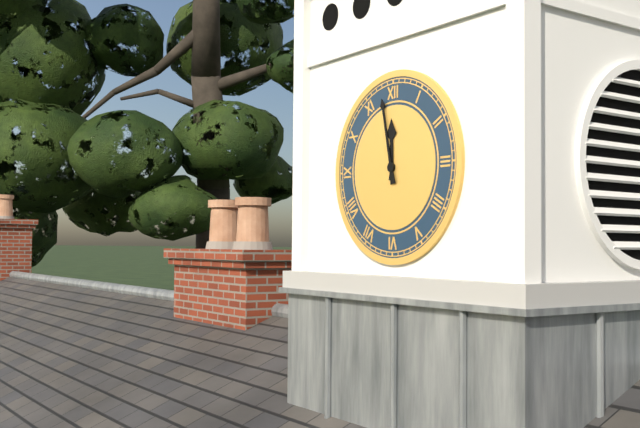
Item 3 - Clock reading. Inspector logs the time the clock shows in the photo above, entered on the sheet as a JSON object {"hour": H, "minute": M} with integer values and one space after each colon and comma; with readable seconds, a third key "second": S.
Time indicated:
{"hour": 11, "minute": 58}
